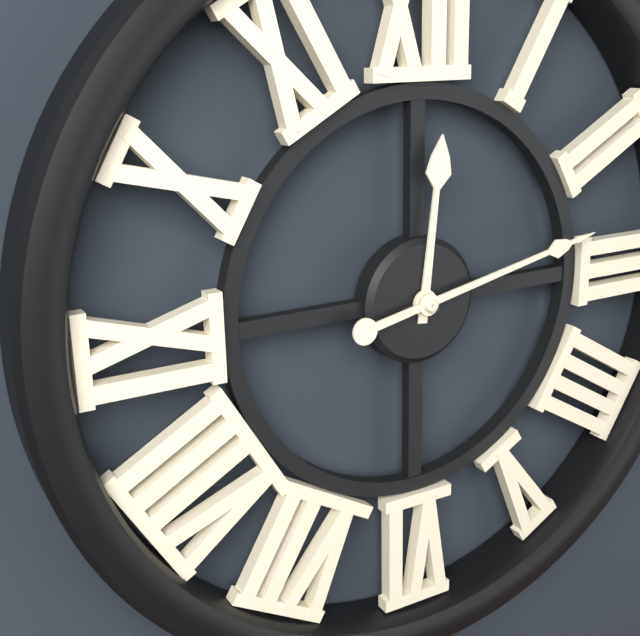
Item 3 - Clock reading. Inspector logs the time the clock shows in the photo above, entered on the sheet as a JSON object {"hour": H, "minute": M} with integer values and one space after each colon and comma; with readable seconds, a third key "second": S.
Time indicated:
{"hour": 12, "minute": 13}
